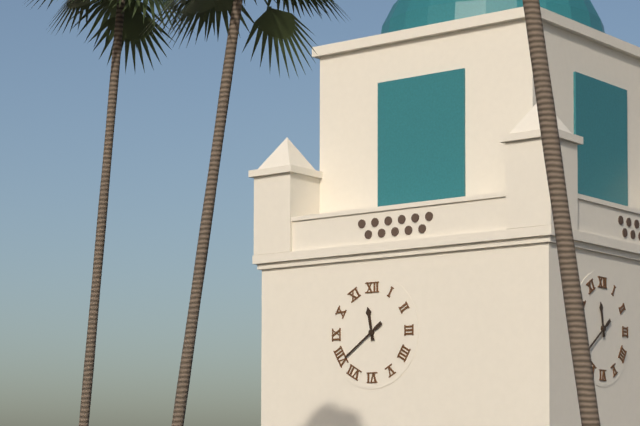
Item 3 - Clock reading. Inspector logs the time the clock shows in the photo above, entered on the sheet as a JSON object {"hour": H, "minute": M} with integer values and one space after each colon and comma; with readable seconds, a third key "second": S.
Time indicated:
{"hour": 11, "minute": 39}
